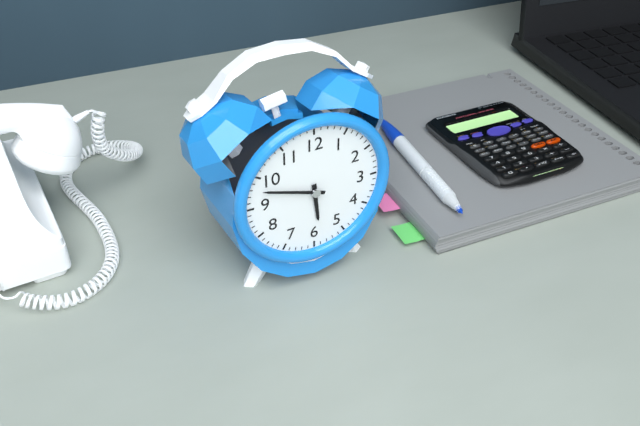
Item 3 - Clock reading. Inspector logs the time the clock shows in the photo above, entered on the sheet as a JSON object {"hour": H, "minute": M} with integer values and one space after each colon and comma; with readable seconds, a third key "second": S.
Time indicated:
{"hour": 5, "minute": 48}
